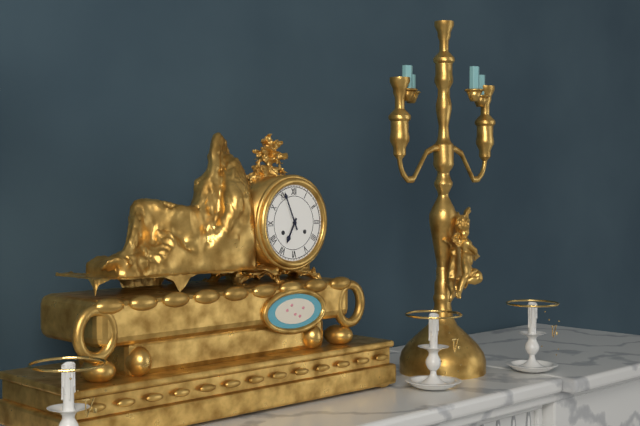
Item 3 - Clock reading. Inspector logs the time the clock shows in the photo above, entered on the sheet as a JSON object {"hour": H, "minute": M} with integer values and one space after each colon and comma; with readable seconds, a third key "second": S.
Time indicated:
{"hour": 6, "minute": 56}
